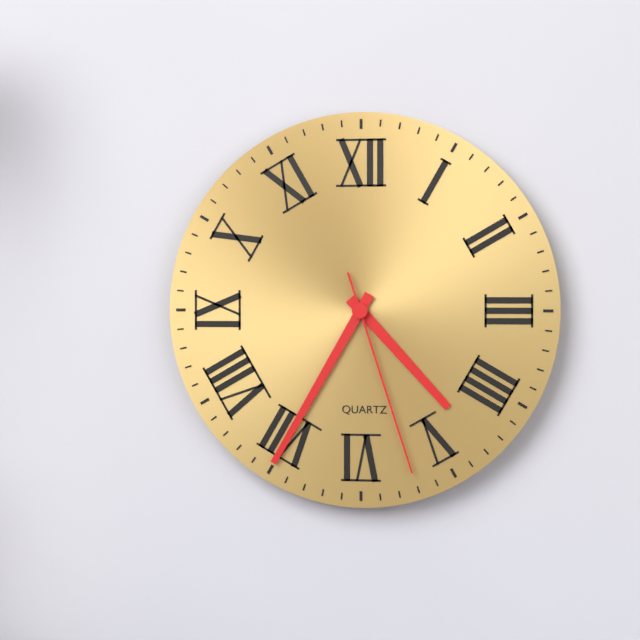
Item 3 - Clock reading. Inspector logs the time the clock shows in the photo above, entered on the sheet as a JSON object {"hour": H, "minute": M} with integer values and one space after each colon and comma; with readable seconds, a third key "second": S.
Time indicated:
{"hour": 4, "minute": 35, "second": 27}
